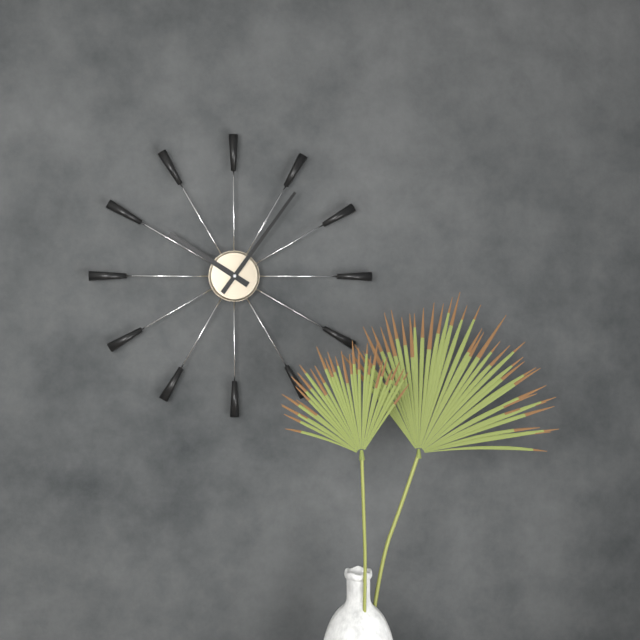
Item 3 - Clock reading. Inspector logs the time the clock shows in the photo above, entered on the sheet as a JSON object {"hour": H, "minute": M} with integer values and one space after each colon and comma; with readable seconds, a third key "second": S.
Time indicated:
{"hour": 10, "minute": 6}
